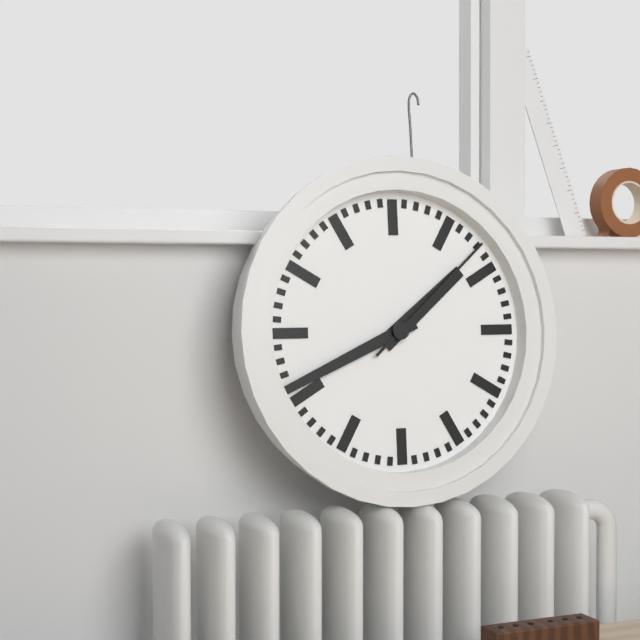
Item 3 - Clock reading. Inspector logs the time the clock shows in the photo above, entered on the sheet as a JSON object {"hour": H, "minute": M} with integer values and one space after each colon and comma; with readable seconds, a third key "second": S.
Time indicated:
{"hour": 1, "minute": 41, "second": 8}
